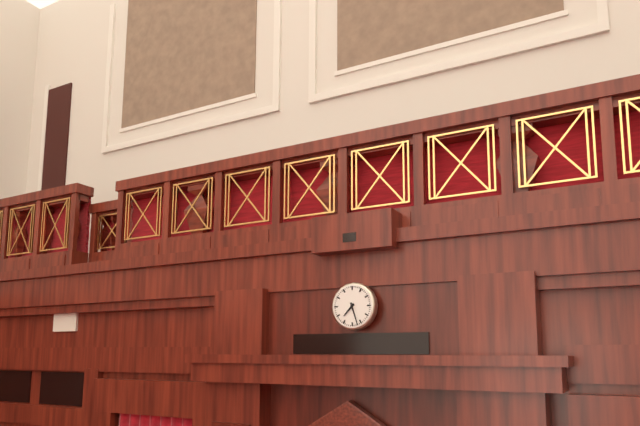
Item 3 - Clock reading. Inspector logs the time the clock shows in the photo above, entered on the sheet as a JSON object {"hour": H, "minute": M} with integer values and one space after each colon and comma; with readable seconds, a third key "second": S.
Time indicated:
{"hour": 7, "minute": 27}
